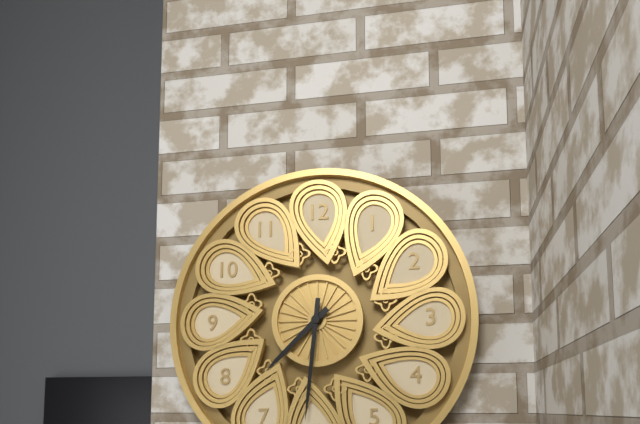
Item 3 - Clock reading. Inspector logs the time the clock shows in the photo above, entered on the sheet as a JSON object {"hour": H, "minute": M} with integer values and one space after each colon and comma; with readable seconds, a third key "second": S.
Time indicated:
{"hour": 7, "minute": 31}
